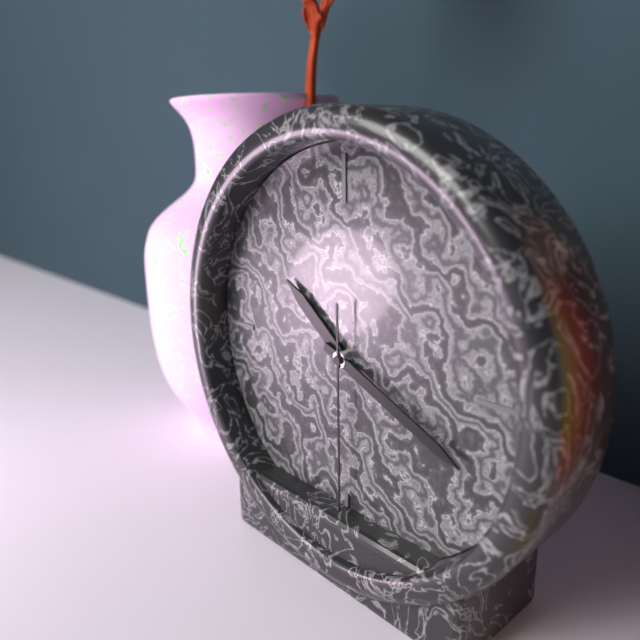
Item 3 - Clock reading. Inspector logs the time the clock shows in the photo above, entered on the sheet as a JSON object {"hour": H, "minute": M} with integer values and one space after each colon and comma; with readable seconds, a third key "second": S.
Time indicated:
{"hour": 10, "minute": 19, "second": 30}
